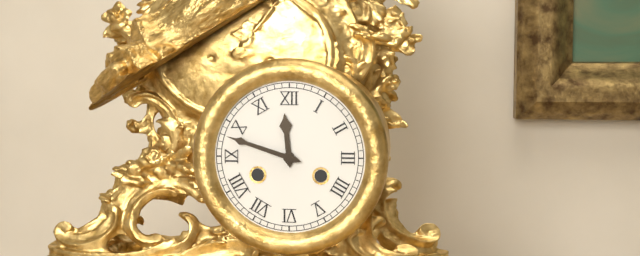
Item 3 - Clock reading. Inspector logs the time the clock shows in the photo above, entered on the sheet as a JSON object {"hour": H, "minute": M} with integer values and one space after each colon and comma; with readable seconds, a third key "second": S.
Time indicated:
{"hour": 11, "minute": 48}
